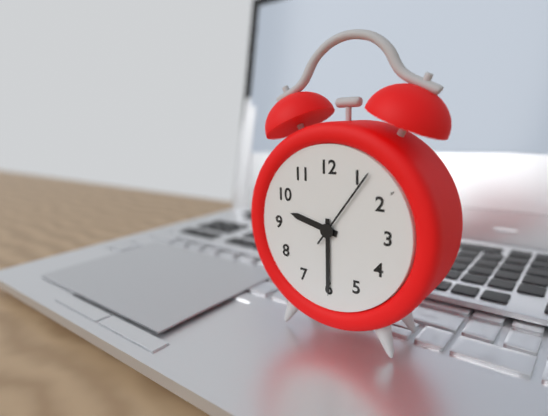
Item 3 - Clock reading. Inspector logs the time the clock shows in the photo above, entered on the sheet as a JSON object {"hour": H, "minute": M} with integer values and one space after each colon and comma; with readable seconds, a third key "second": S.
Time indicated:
{"hour": 9, "minute": 30, "second": 6}
